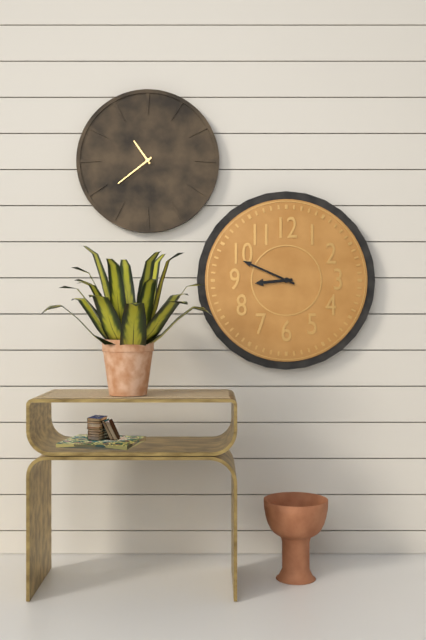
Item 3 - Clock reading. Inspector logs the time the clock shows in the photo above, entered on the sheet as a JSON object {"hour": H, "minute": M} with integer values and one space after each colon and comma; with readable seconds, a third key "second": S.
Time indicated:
{"hour": 8, "minute": 49}
